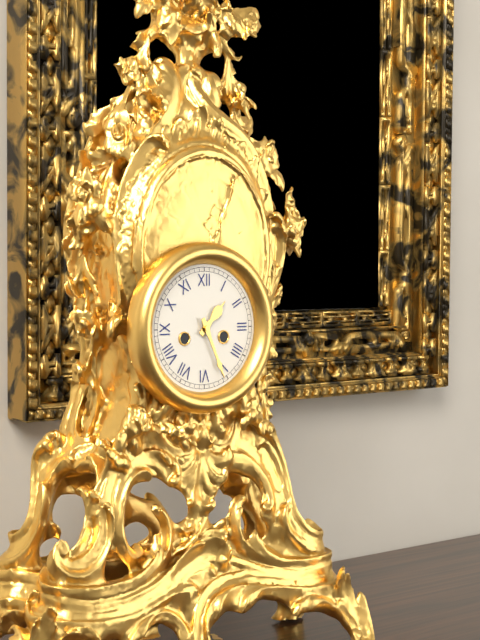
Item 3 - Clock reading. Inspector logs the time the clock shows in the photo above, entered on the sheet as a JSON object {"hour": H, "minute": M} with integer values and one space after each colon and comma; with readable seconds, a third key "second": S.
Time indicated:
{"hour": 1, "minute": 26}
